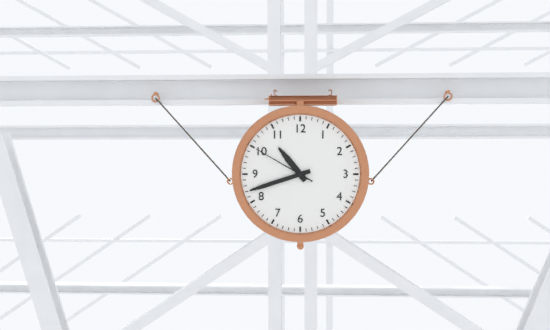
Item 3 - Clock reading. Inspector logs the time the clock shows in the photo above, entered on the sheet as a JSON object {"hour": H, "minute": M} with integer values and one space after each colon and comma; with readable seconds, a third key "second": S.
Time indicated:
{"hour": 10, "minute": 42, "second": 50}
